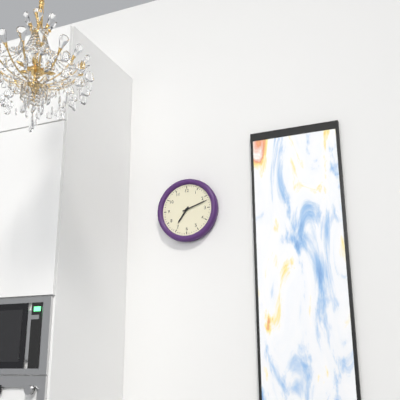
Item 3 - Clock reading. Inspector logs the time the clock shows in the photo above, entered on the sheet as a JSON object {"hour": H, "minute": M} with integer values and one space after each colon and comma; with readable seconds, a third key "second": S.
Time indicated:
{"hour": 7, "minute": 12}
